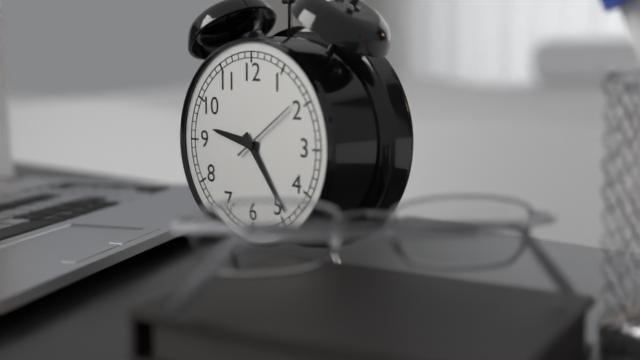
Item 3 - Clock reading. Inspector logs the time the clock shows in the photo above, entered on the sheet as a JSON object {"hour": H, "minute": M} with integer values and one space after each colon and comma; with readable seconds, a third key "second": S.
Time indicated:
{"hour": 9, "minute": 24}
